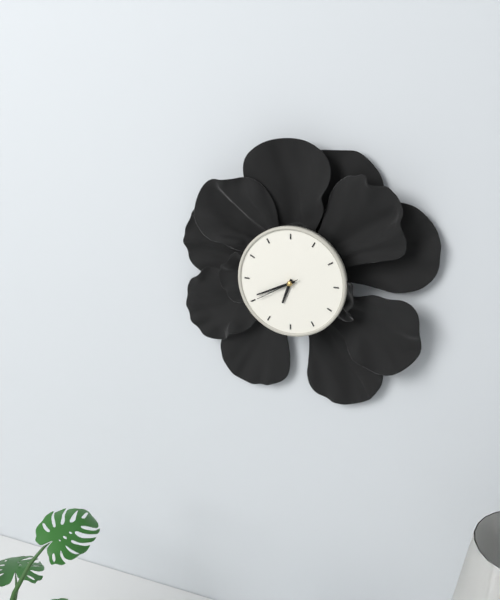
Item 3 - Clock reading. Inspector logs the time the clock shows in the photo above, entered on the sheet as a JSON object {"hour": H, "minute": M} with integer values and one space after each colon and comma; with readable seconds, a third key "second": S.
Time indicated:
{"hour": 6, "minute": 41}
